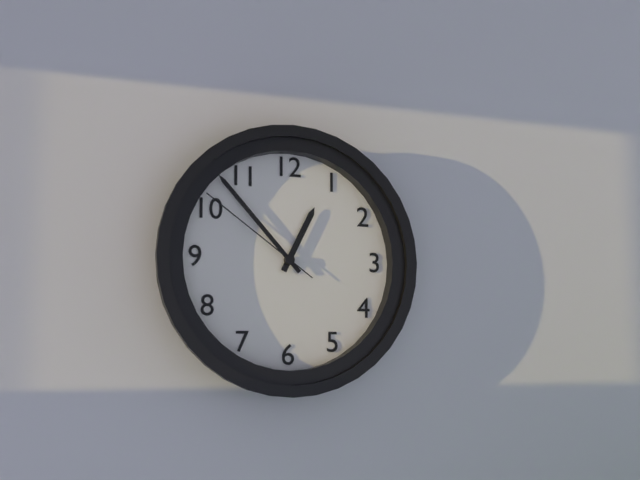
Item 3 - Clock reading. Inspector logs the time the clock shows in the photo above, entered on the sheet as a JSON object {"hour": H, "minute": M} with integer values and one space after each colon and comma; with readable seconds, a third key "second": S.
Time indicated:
{"hour": 12, "minute": 53, "second": 51}
